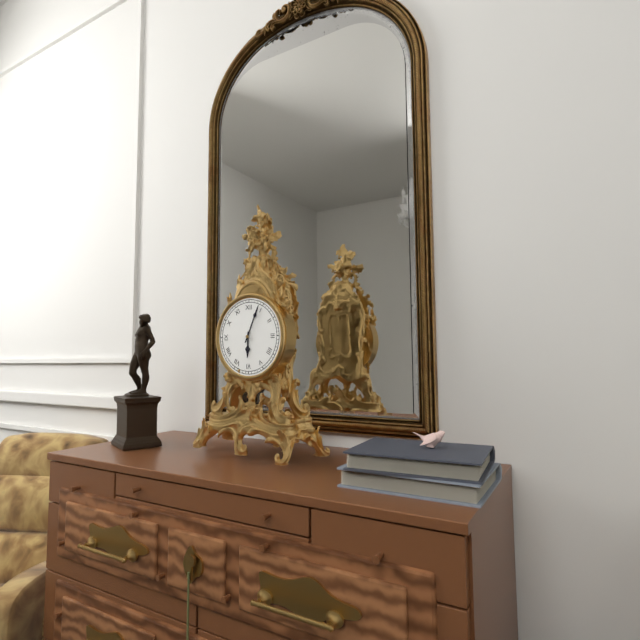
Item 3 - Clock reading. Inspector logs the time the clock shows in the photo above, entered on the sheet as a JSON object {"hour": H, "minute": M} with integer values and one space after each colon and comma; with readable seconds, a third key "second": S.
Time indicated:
{"hour": 6, "minute": 4}
